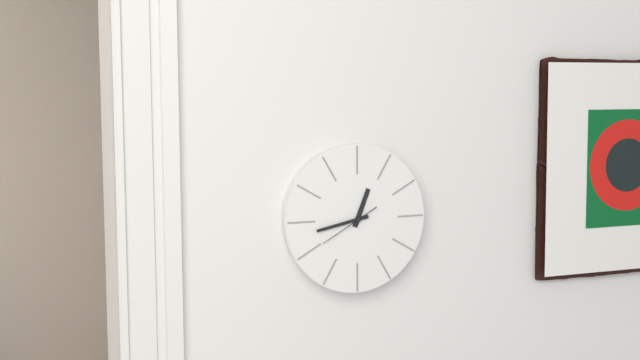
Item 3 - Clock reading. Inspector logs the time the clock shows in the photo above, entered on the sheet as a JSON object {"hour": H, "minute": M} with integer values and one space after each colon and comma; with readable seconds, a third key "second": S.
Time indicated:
{"hour": 12, "minute": 43, "second": 40}
